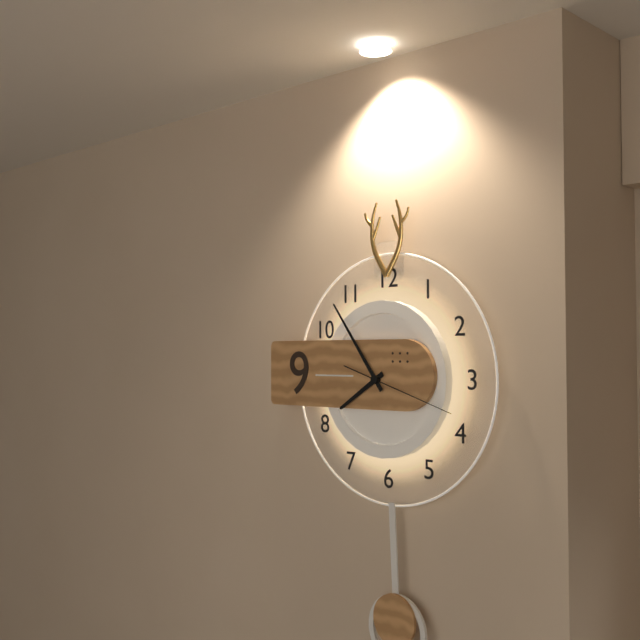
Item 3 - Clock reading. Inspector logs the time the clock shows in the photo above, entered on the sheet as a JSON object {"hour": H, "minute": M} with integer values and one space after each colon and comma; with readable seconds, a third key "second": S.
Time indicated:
{"hour": 7, "minute": 54, "second": 18}
